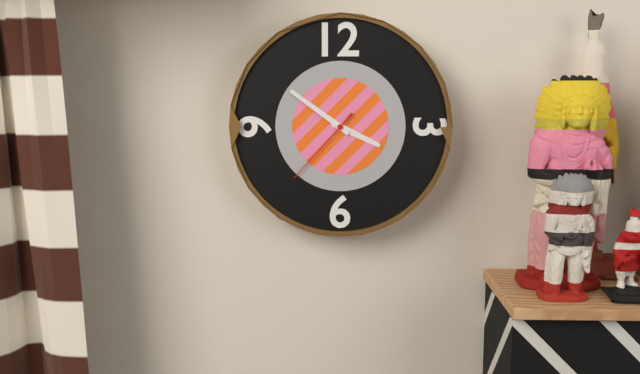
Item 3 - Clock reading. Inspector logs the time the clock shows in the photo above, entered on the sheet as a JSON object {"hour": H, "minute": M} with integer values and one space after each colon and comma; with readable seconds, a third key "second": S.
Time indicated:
{"hour": 3, "minute": 51, "second": 37}
